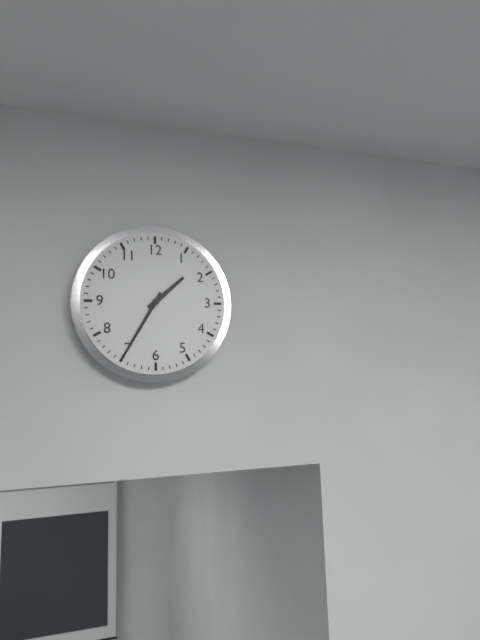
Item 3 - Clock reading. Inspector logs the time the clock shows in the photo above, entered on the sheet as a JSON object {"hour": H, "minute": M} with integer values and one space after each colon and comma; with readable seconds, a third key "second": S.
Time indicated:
{"hour": 1, "minute": 35}
